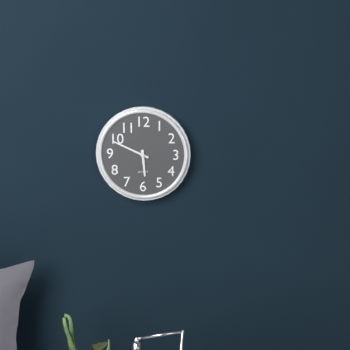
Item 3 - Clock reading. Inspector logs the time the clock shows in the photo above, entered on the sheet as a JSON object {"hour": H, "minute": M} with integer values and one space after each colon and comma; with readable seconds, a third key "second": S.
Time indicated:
{"hour": 5, "minute": 49}
